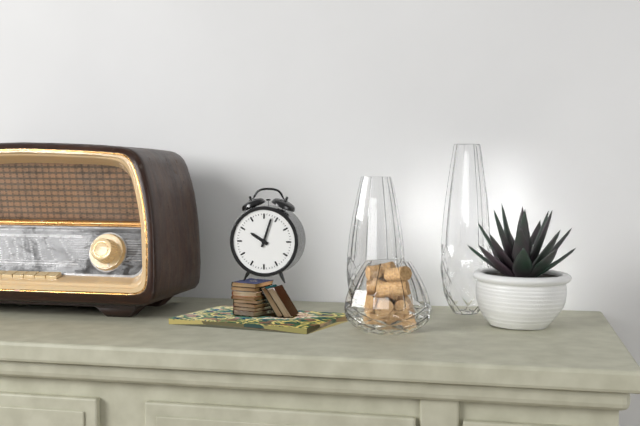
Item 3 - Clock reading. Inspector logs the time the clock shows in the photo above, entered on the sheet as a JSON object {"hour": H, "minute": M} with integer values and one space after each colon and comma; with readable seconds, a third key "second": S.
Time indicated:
{"hour": 10, "minute": 3}
